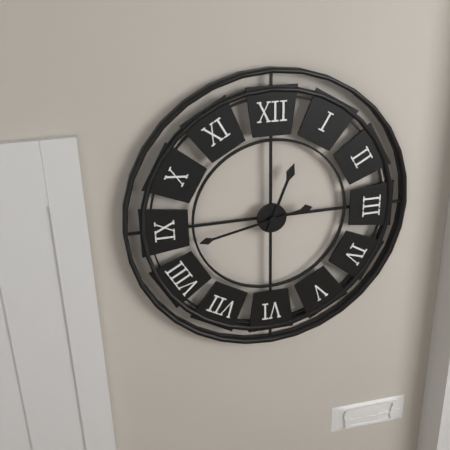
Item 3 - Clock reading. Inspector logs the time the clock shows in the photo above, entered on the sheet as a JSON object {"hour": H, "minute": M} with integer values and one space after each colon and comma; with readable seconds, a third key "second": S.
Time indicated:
{"hour": 12, "minute": 43}
